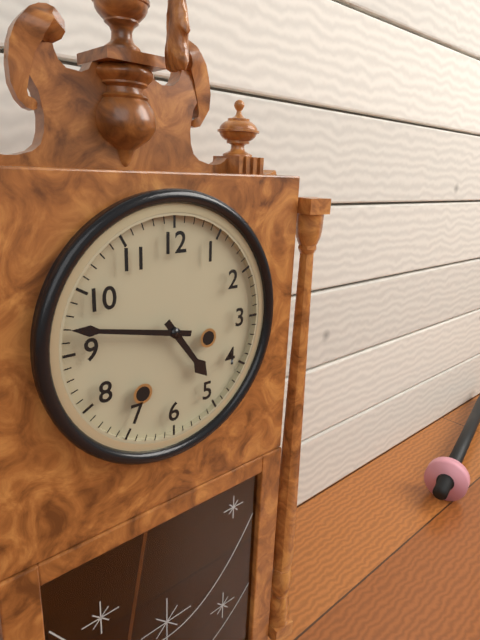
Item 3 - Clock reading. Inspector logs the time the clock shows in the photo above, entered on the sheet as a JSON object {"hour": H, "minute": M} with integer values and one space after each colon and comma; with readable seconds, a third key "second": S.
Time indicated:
{"hour": 4, "minute": 47}
